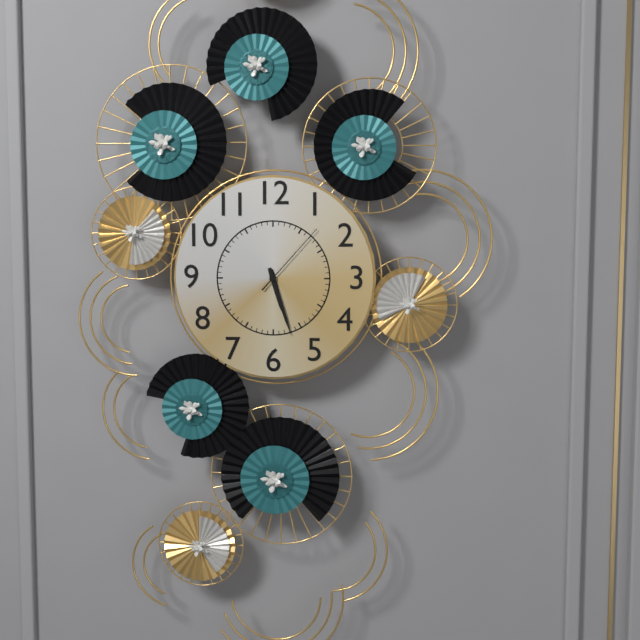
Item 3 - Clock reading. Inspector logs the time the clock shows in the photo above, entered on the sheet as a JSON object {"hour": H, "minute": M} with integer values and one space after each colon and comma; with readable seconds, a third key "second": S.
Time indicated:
{"hour": 5, "minute": 27, "second": 7}
